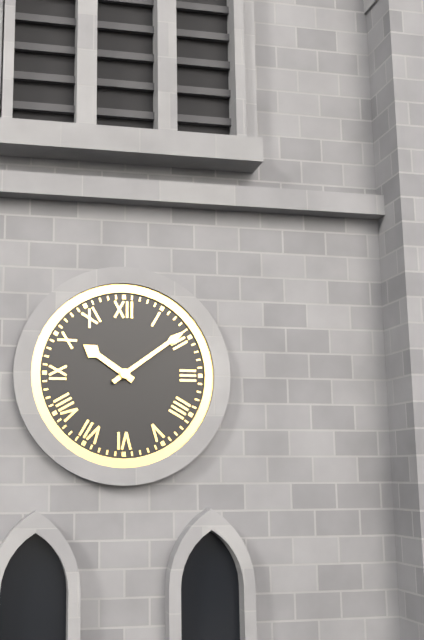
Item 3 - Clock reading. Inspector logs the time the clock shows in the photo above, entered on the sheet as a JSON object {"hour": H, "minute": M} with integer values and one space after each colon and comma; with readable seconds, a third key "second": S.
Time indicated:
{"hour": 10, "minute": 9}
